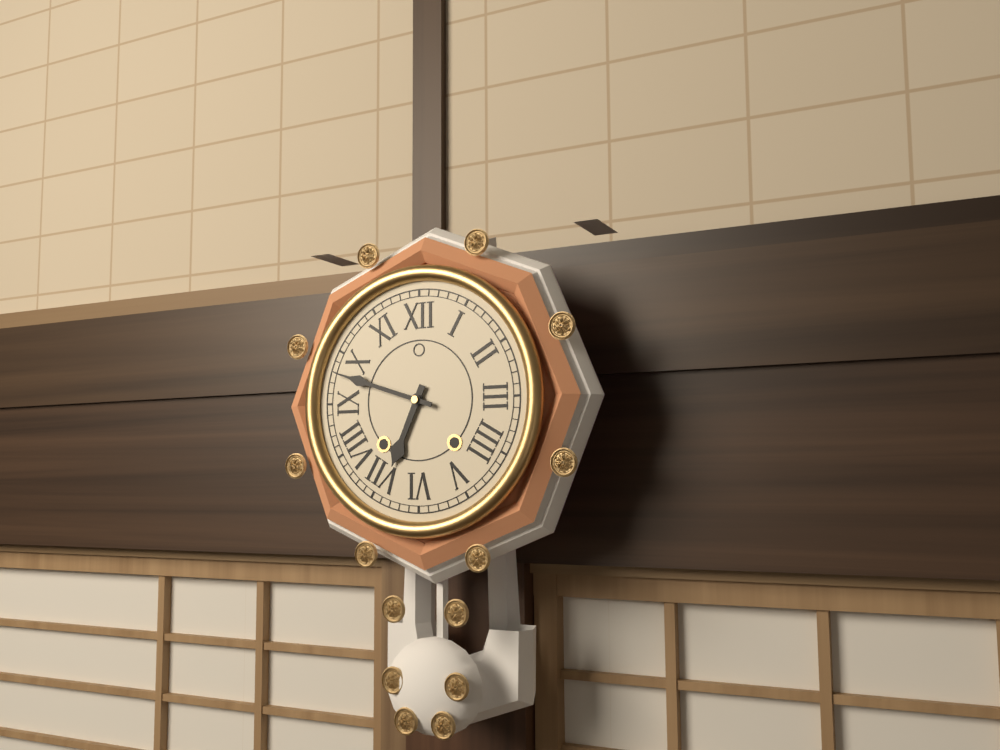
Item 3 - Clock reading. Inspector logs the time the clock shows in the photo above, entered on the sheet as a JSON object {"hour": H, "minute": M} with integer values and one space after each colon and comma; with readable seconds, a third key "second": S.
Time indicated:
{"hour": 6, "minute": 48}
